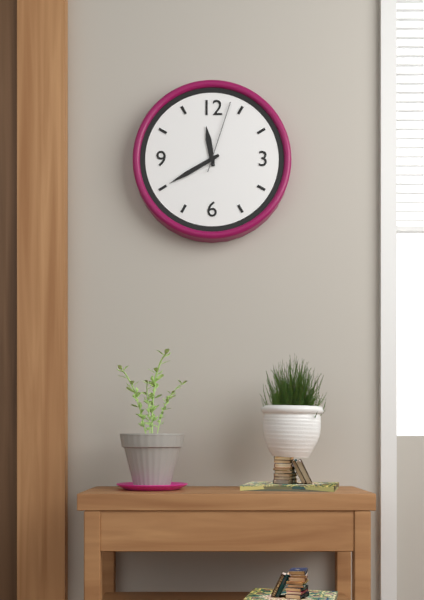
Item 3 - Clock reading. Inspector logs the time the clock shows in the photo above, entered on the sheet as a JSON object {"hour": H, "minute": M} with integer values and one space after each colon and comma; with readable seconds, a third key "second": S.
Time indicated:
{"hour": 11, "minute": 40, "second": 3}
